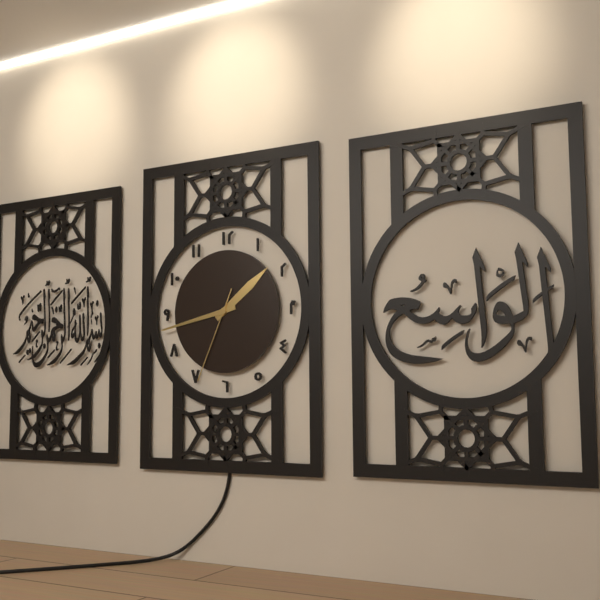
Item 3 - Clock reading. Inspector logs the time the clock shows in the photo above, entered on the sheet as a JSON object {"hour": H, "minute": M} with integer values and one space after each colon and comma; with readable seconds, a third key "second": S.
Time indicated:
{"hour": 1, "minute": 43, "second": 34}
